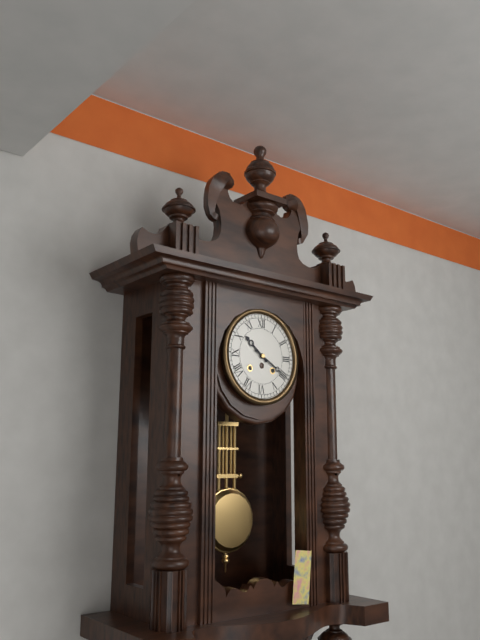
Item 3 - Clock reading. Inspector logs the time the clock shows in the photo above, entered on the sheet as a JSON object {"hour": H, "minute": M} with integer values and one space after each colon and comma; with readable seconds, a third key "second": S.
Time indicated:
{"hour": 10, "minute": 20}
